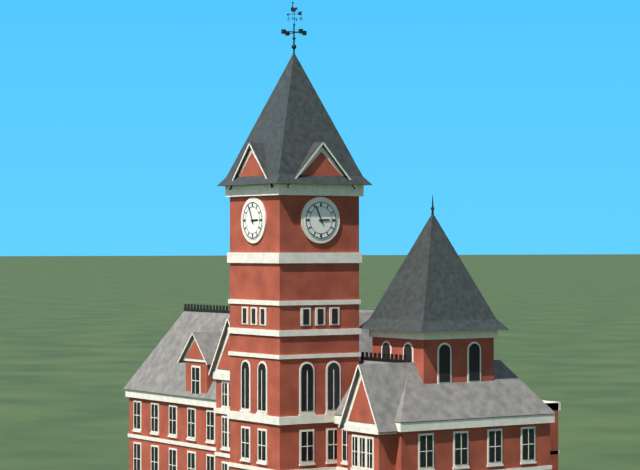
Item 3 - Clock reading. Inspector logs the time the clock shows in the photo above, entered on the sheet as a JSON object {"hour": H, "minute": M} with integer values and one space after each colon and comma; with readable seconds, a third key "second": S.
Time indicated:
{"hour": 2, "minute": 56}
